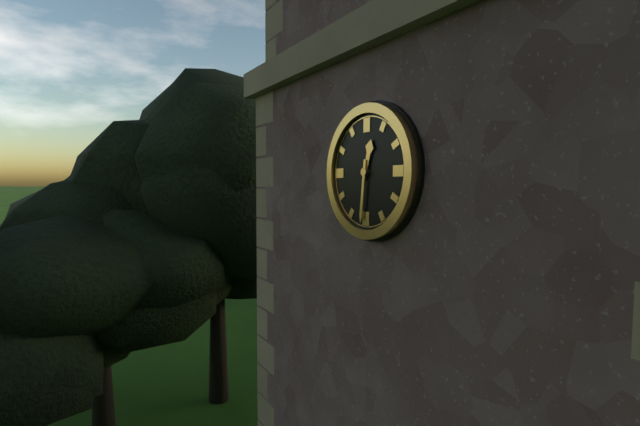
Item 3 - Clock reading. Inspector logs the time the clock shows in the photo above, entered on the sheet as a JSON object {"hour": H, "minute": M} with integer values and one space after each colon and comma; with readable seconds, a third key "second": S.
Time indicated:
{"hour": 12, "minute": 31}
